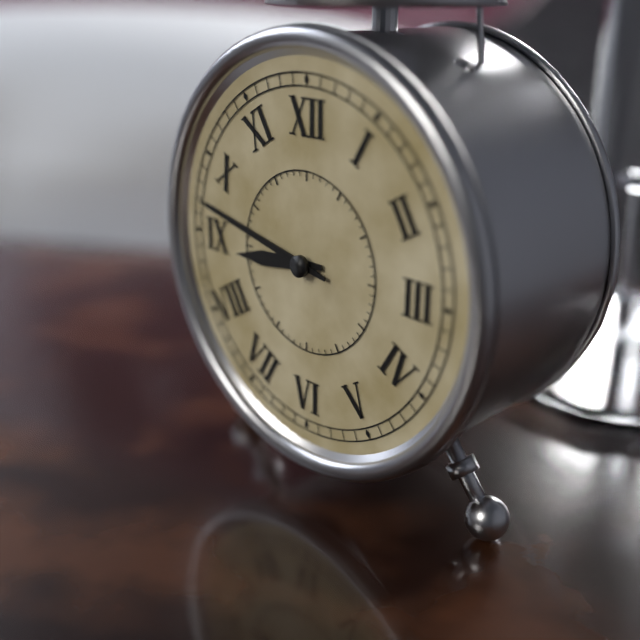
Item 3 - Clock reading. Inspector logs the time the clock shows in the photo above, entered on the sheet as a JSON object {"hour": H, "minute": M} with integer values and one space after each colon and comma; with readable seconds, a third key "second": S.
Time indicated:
{"hour": 8, "minute": 47}
